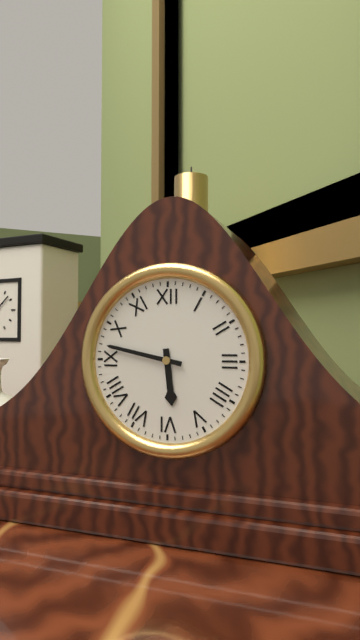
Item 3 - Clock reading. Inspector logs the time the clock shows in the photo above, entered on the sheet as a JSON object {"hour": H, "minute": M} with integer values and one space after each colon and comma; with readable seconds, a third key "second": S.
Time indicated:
{"hour": 5, "minute": 47}
